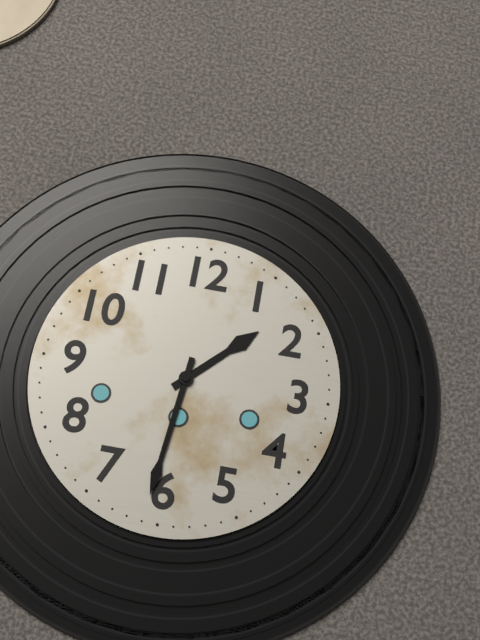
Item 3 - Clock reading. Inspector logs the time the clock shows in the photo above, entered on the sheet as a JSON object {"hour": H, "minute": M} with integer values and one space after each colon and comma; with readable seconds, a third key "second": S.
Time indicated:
{"hour": 1, "minute": 31}
